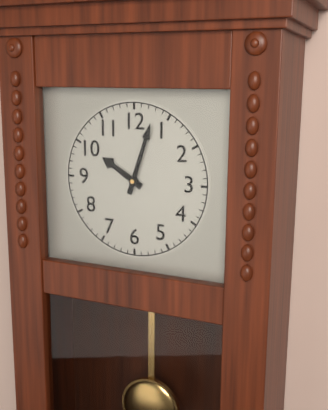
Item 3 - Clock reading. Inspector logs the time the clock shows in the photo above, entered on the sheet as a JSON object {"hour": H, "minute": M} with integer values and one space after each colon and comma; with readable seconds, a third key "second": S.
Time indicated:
{"hour": 10, "minute": 3}
